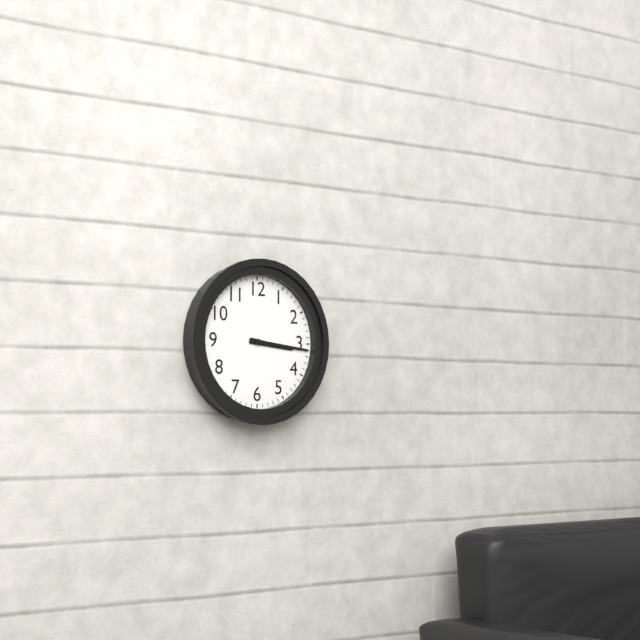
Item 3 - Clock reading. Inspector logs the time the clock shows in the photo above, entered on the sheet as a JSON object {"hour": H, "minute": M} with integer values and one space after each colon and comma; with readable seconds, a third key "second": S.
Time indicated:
{"hour": 3, "minute": 16}
